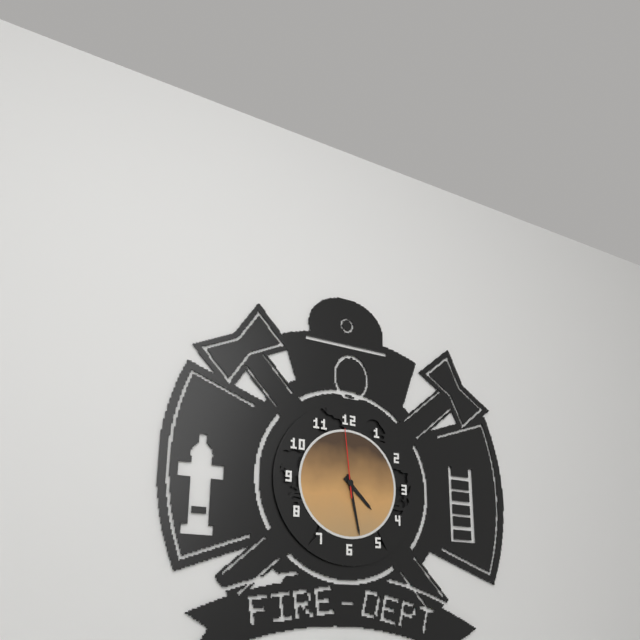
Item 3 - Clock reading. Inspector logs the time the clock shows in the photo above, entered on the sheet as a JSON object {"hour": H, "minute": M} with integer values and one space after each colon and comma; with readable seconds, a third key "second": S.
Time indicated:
{"hour": 4, "minute": 28, "second": 59}
